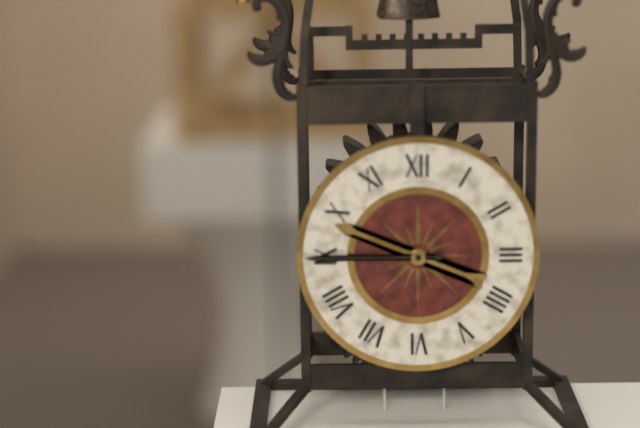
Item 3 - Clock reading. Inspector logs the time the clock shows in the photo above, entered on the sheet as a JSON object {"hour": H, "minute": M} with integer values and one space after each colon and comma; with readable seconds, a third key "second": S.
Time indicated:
{"hour": 9, "minute": 45}
